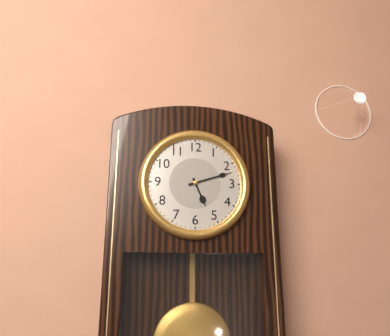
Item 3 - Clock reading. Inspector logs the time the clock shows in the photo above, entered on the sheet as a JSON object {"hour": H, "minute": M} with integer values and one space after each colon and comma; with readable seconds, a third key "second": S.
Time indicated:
{"hour": 5, "minute": 12}
